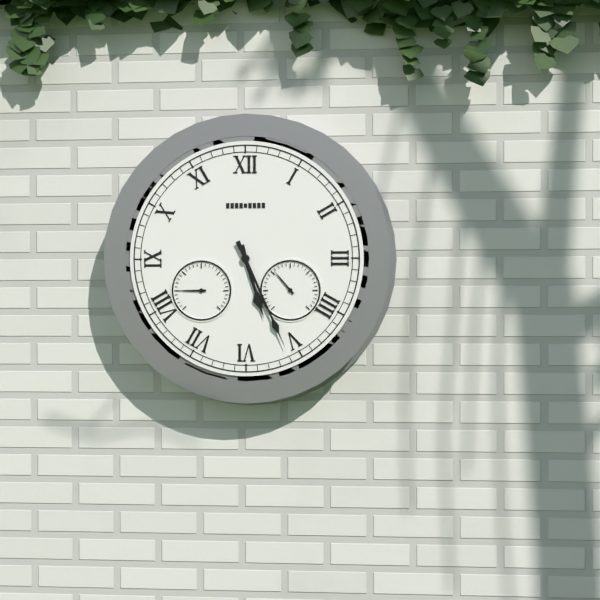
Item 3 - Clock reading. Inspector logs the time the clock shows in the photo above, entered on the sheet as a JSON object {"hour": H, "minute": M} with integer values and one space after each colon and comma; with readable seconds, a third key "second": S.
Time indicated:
{"hour": 5, "minute": 26}
